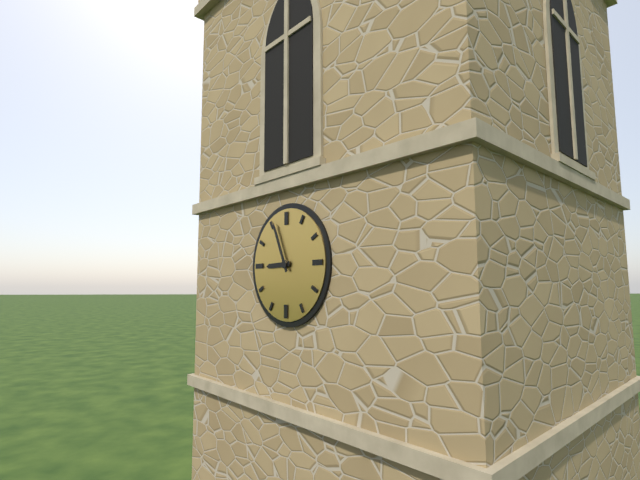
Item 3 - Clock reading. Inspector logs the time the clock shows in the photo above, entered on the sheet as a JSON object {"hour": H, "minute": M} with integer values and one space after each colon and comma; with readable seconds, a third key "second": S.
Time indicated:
{"hour": 8, "minute": 56}
